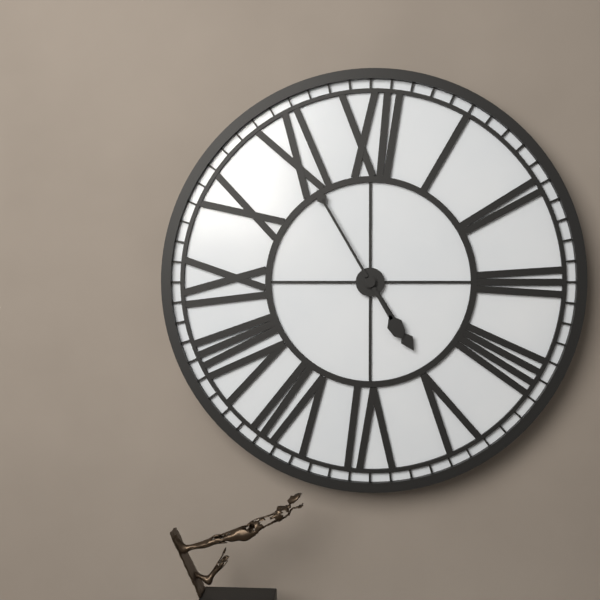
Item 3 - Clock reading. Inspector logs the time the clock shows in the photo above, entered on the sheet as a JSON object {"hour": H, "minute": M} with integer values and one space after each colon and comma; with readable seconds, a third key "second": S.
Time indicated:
{"hour": 4, "minute": 55}
